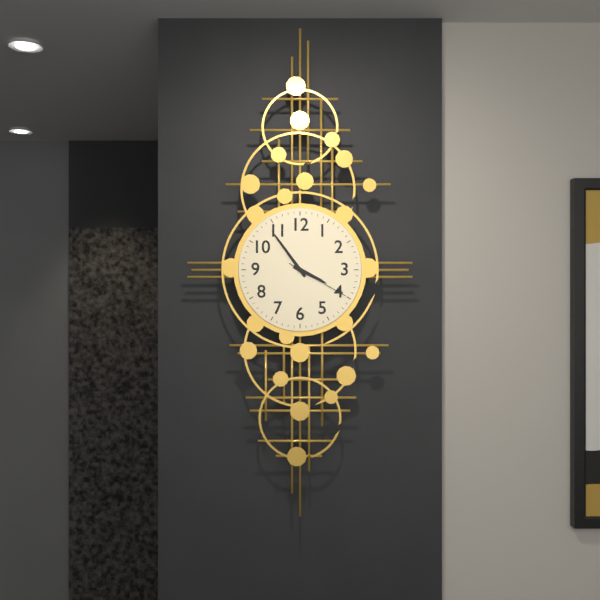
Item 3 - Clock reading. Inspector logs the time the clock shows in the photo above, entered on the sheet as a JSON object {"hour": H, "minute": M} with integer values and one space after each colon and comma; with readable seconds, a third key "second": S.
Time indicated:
{"hour": 3, "minute": 54, "second": 20}
